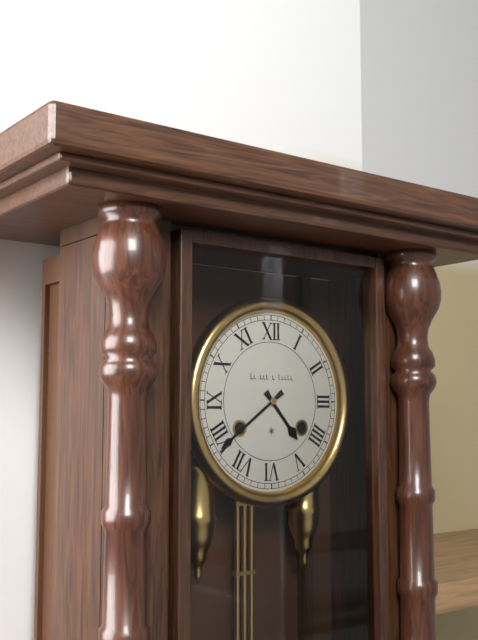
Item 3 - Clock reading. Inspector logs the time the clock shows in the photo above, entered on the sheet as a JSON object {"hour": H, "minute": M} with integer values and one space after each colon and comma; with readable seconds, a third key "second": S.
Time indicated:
{"hour": 4, "minute": 39}
